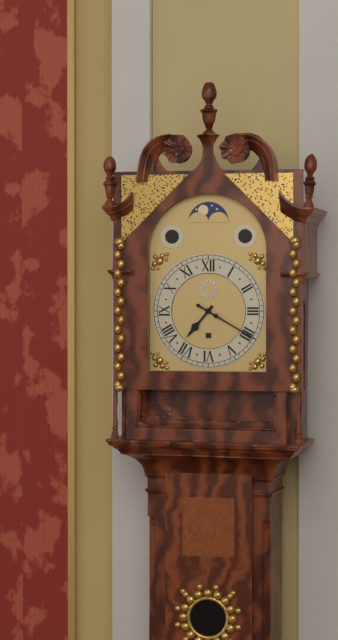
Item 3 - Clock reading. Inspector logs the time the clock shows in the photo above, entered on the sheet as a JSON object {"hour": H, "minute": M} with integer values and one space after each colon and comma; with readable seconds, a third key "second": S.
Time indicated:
{"hour": 7, "minute": 20}
